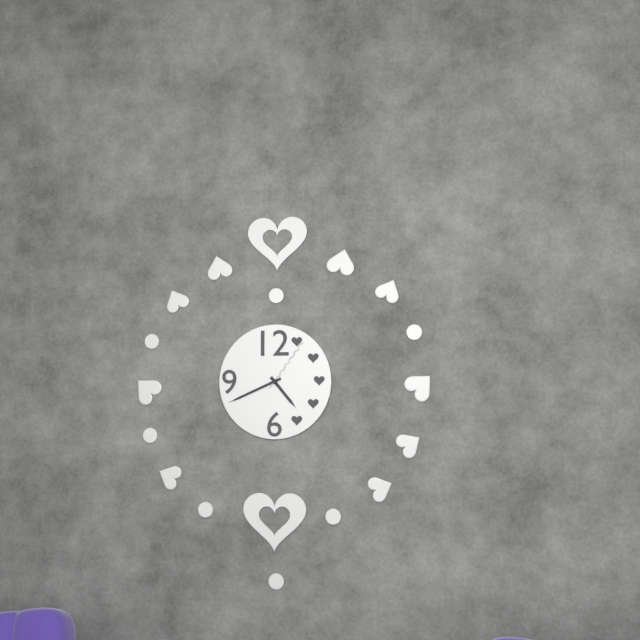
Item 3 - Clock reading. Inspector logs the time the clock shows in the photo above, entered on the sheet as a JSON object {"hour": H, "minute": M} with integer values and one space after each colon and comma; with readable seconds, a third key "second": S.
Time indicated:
{"hour": 4, "minute": 41, "second": 6}
